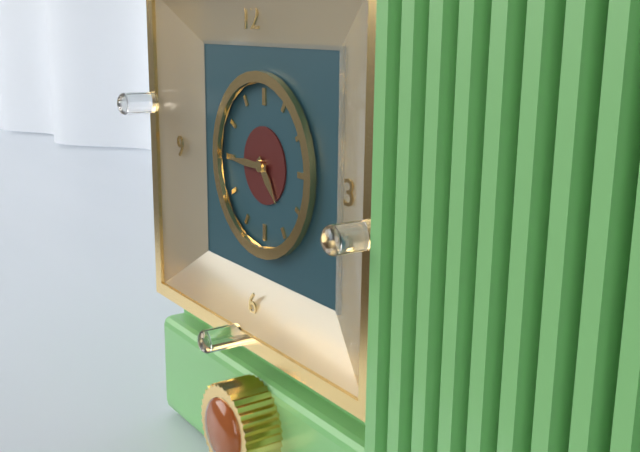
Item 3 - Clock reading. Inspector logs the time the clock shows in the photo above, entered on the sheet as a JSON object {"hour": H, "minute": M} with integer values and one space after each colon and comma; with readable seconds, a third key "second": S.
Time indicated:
{"hour": 4, "minute": 45}
